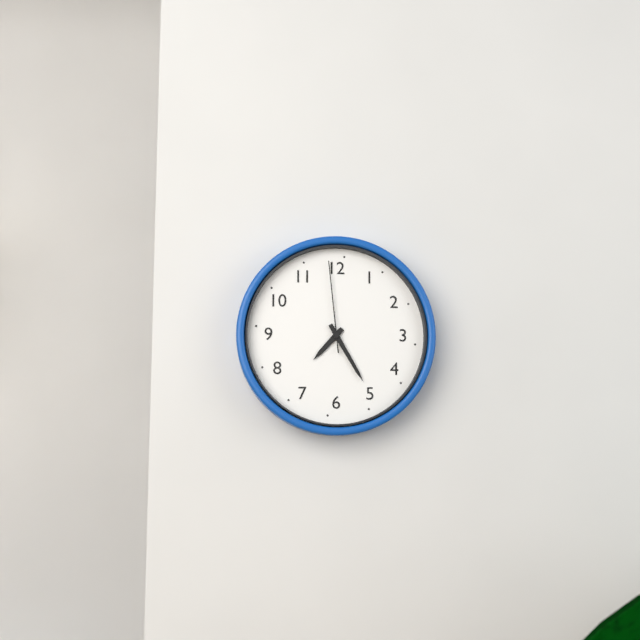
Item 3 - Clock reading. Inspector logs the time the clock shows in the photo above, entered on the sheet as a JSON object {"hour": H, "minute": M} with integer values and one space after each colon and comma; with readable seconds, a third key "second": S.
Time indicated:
{"hour": 7, "minute": 25, "second": 59}
